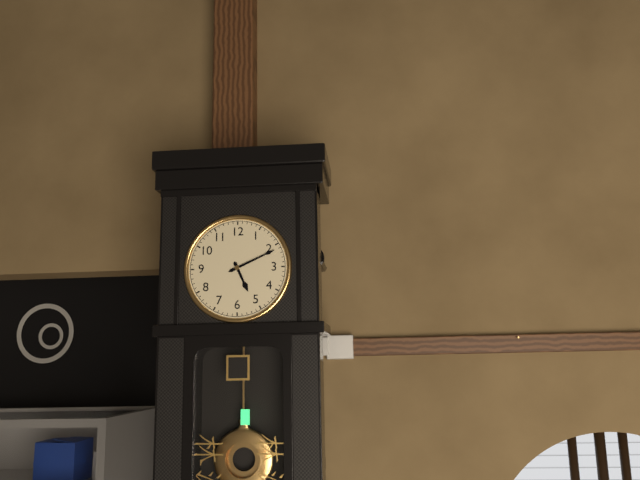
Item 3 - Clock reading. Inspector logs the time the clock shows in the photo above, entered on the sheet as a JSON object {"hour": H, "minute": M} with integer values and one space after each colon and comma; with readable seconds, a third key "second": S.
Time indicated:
{"hour": 5, "minute": 11}
